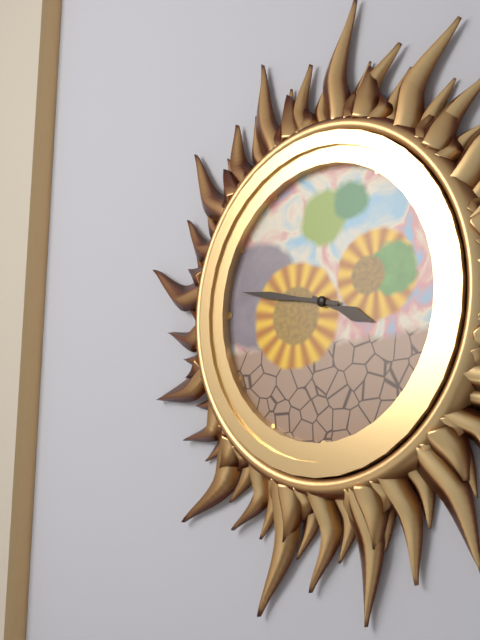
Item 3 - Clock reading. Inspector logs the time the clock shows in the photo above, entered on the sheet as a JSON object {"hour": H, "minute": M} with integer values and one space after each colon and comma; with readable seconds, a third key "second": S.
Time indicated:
{"hour": 3, "minute": 47}
